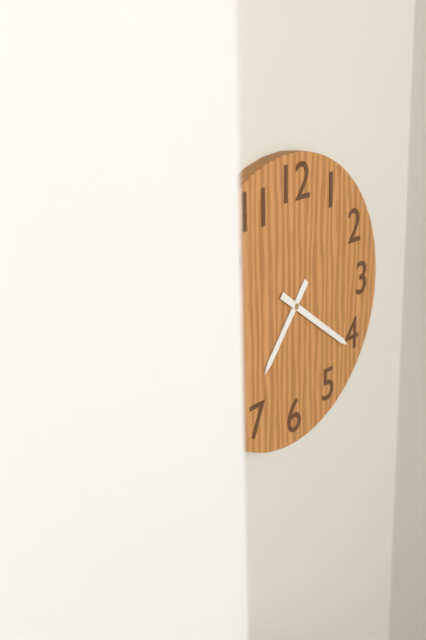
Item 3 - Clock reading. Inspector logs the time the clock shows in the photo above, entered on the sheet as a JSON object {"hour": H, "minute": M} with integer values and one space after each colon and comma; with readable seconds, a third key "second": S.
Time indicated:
{"hour": 7, "minute": 21}
